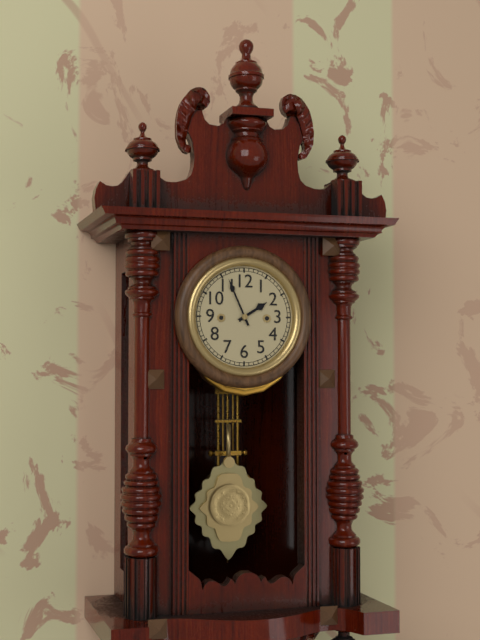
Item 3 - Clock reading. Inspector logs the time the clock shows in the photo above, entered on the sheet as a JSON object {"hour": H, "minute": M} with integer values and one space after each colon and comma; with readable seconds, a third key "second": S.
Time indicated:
{"hour": 1, "minute": 56}
